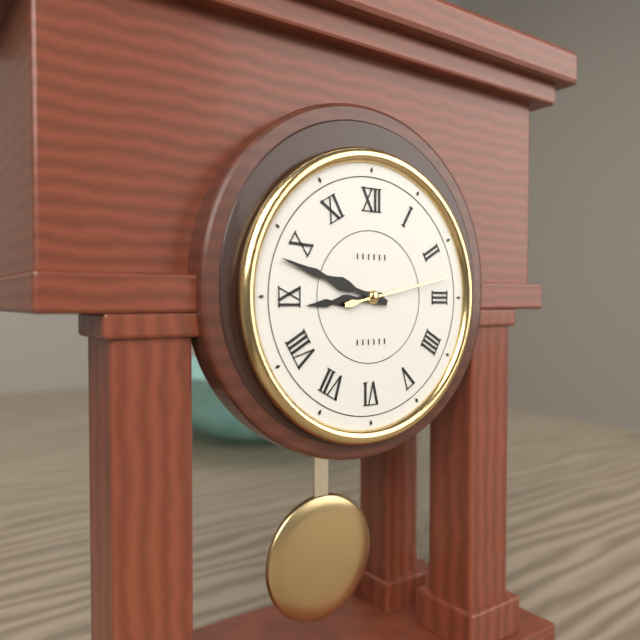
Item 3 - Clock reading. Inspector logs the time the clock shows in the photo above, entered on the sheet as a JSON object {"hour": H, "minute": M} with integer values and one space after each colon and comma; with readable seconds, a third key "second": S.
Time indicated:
{"hour": 8, "minute": 48, "second": 13}
